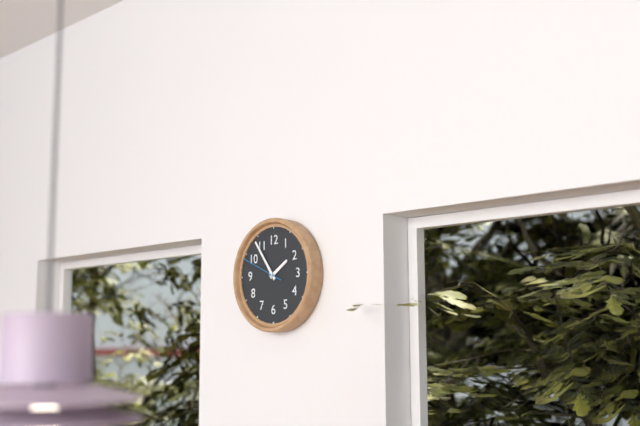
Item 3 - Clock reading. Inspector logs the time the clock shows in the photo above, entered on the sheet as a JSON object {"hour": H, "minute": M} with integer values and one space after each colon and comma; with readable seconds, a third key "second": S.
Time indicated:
{"hour": 1, "minute": 54}
